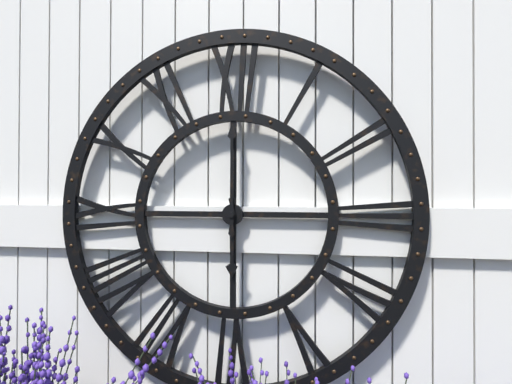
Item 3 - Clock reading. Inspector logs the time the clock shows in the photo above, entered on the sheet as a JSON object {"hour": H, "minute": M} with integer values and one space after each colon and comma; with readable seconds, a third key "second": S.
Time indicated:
{"hour": 6, "minute": 0}
